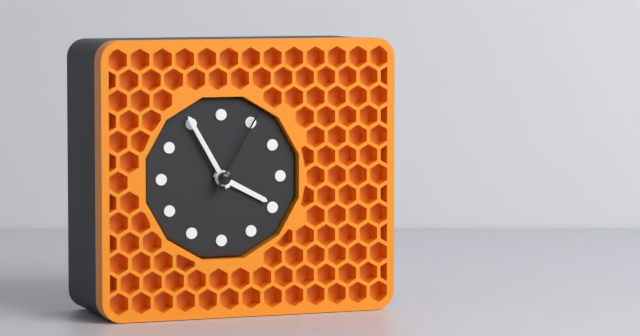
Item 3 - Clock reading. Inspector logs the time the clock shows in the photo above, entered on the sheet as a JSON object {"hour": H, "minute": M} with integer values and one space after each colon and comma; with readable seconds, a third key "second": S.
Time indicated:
{"hour": 3, "minute": 55, "second": 5}
